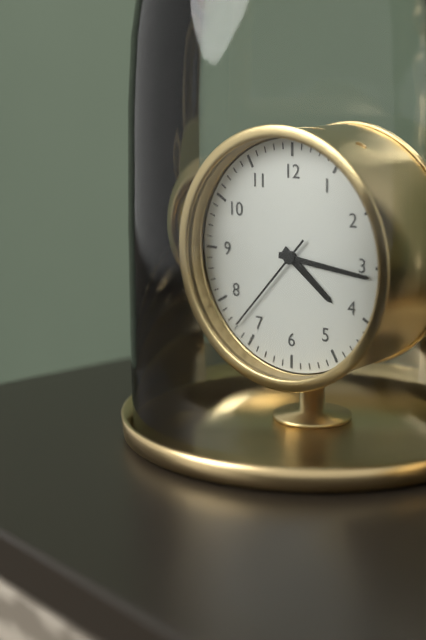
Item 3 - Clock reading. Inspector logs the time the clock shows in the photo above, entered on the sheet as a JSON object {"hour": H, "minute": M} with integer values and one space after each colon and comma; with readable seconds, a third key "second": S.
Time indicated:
{"hour": 4, "minute": 16, "second": 37}
